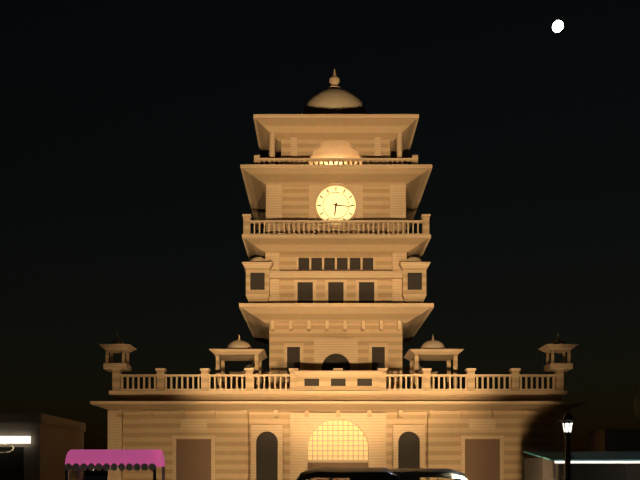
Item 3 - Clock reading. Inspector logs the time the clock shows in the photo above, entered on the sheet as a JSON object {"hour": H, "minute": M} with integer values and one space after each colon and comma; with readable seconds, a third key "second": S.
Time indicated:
{"hour": 6, "minute": 16}
